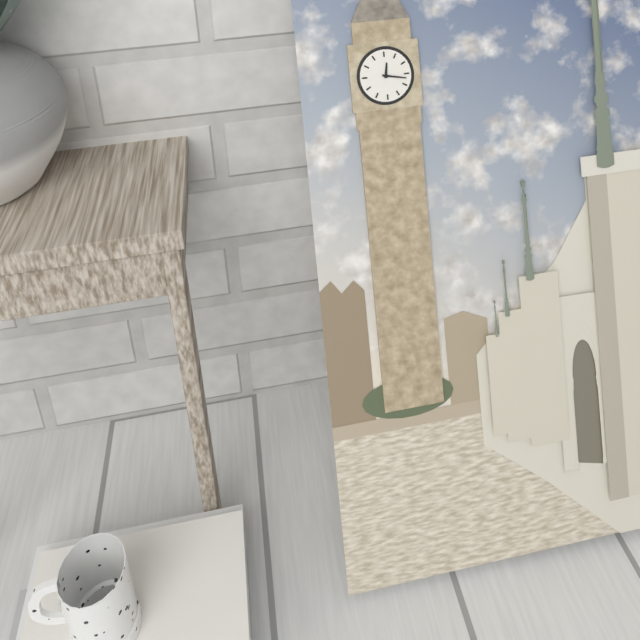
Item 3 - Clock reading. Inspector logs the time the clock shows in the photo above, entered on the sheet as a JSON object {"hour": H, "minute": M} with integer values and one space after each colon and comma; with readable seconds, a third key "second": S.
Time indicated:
{"hour": 12, "minute": 17}
